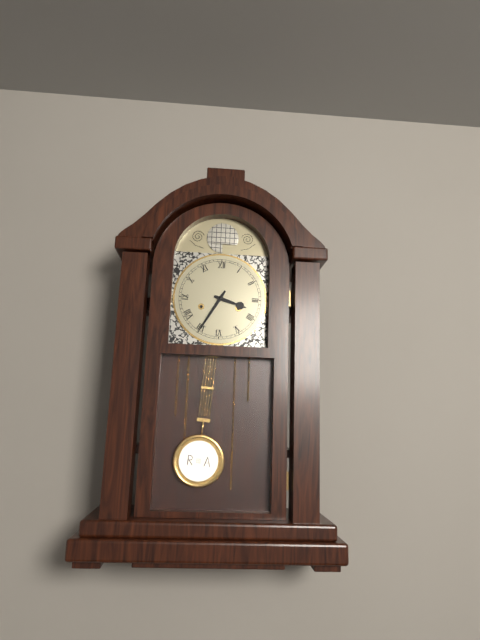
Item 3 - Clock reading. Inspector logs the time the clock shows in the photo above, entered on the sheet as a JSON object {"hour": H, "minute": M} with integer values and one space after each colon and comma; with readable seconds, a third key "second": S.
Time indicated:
{"hour": 3, "minute": 35}
